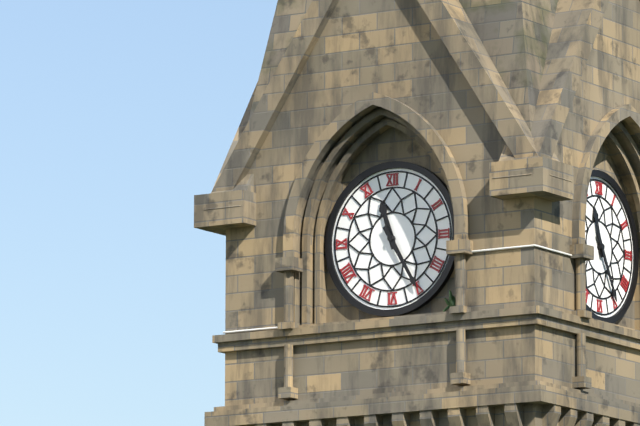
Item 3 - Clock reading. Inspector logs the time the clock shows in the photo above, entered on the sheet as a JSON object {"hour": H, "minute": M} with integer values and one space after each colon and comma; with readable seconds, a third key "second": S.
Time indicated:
{"hour": 11, "minute": 25}
